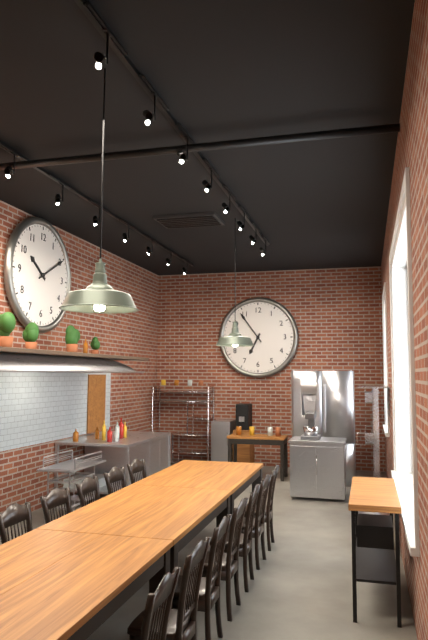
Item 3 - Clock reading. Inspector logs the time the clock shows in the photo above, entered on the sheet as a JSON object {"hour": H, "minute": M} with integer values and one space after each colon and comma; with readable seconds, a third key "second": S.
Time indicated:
{"hour": 6, "minute": 54}
